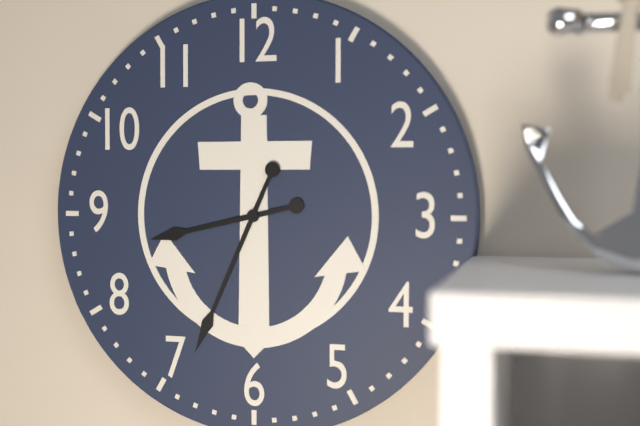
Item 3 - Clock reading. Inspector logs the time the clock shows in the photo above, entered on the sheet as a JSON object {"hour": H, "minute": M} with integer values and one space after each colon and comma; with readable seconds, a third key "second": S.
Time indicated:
{"hour": 8, "minute": 34}
